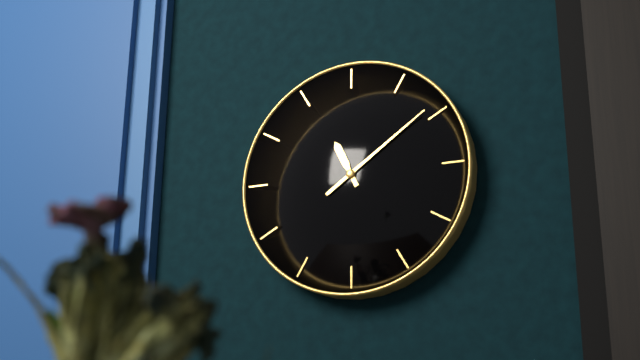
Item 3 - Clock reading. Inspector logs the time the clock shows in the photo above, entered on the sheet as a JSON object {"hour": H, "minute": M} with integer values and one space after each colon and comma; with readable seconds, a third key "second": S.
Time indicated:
{"hour": 11, "minute": 9}
